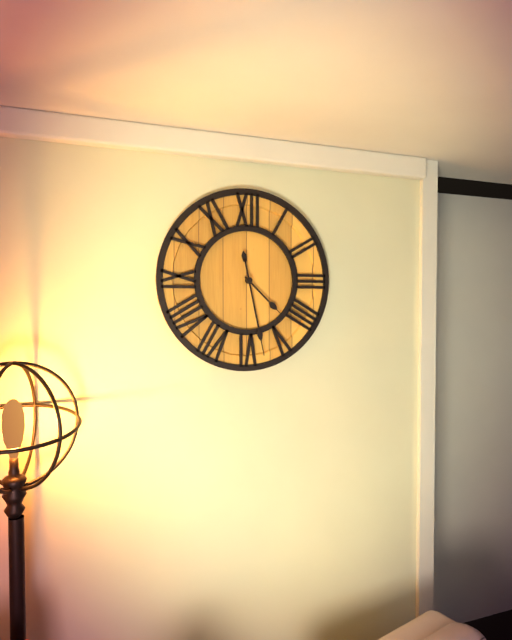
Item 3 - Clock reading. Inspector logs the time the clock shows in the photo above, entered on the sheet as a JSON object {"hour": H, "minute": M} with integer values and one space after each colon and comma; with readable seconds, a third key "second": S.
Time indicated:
{"hour": 4, "minute": 28}
